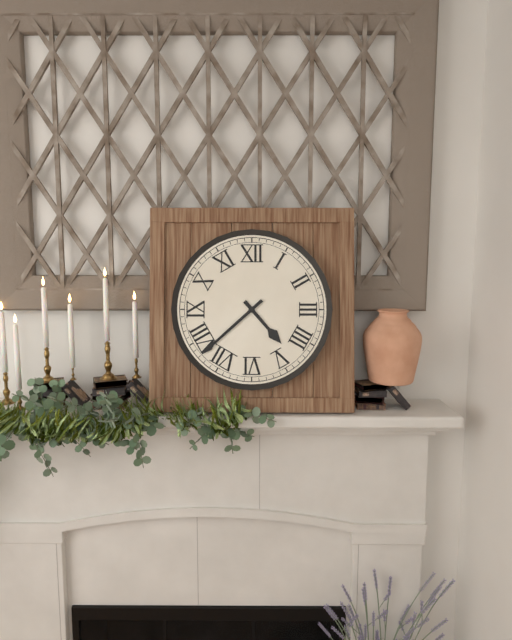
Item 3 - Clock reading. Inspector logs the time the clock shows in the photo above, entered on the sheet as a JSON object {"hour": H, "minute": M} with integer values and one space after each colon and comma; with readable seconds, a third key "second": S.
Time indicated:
{"hour": 4, "minute": 38}
